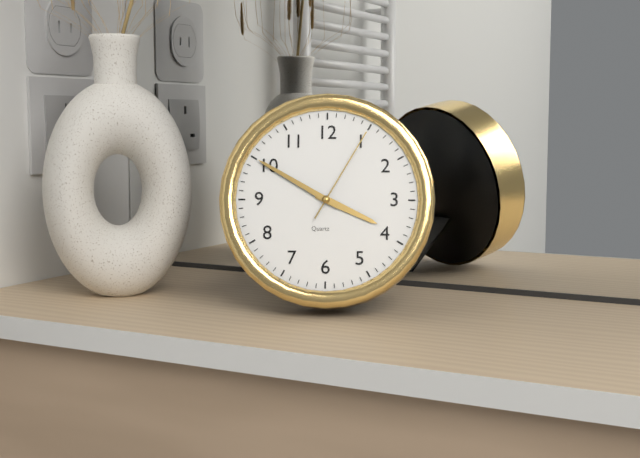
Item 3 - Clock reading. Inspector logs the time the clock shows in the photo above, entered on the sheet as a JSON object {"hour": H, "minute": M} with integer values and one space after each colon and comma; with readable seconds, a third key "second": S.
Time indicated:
{"hour": 3, "minute": 50, "second": 5}
